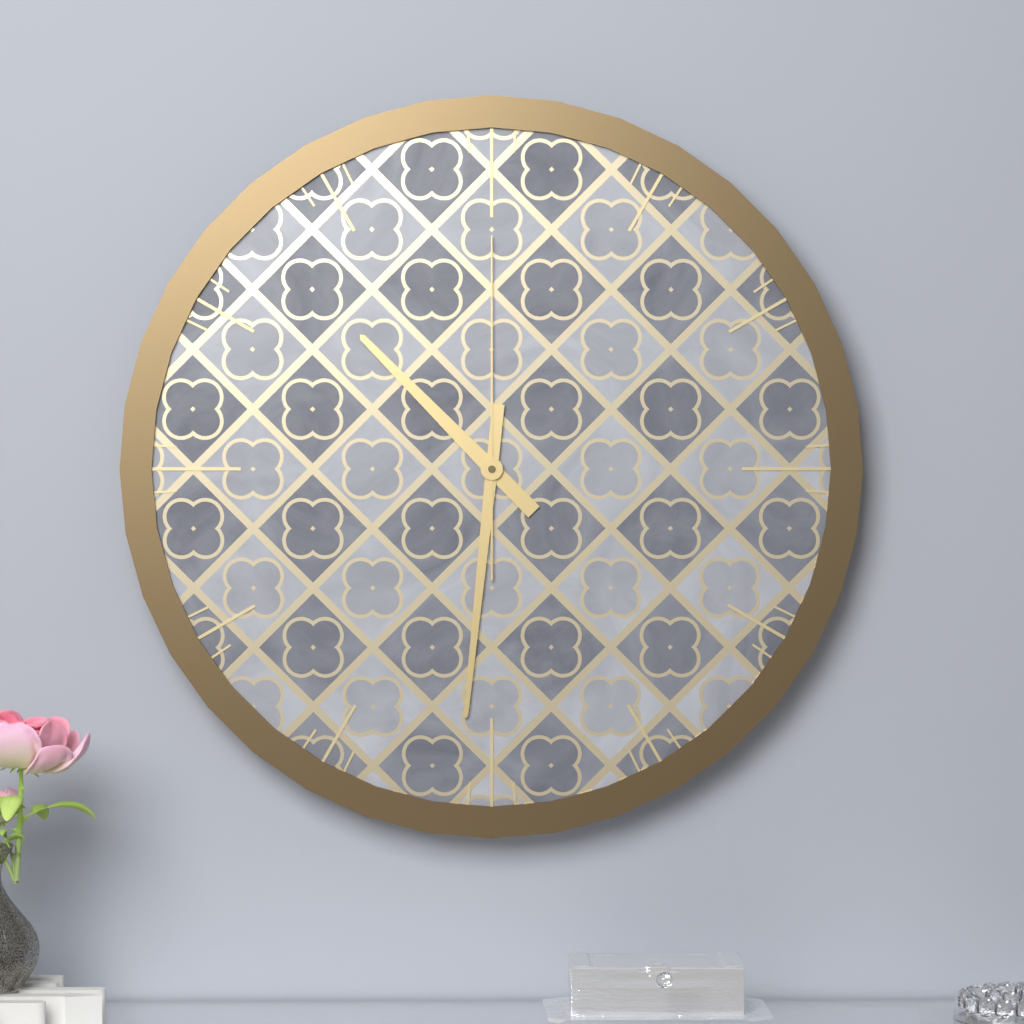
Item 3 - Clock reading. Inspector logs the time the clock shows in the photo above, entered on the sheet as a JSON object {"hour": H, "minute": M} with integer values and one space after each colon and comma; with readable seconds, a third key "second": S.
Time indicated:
{"hour": 10, "minute": 31, "second": 0}
